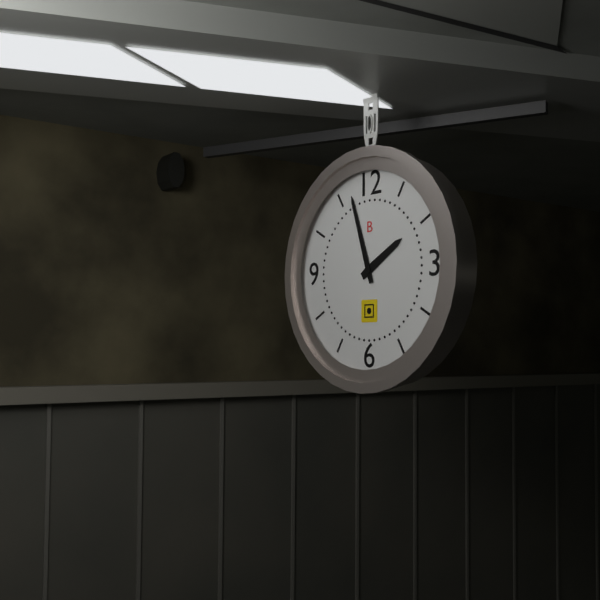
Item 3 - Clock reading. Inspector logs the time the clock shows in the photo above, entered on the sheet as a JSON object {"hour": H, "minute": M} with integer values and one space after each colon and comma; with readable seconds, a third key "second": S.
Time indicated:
{"hour": 1, "minute": 57}
